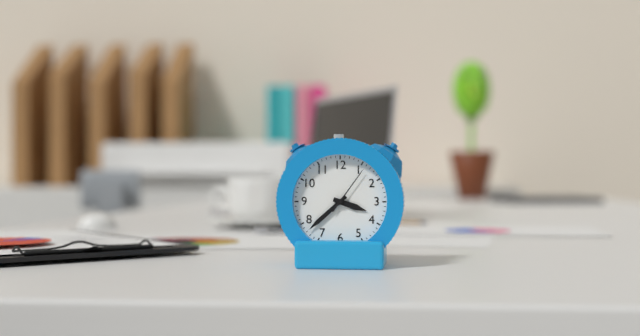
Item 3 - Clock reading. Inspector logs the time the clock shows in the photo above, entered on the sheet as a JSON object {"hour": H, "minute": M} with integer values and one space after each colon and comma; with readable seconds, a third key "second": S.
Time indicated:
{"hour": 3, "minute": 38, "second": 6}
